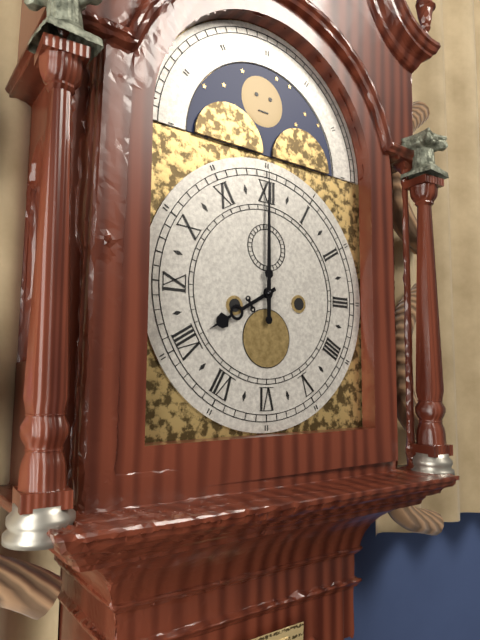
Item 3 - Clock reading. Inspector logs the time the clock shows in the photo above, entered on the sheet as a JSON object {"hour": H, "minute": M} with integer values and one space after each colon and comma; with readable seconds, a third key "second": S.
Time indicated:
{"hour": 8, "minute": 0}
